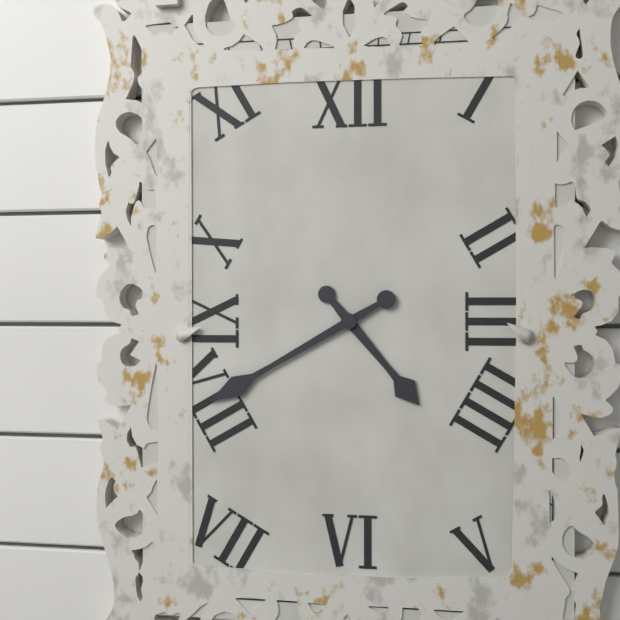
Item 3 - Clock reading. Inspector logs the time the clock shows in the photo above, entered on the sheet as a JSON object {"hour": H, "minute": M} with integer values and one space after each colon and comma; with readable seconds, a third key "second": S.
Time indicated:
{"hour": 4, "minute": 40}
